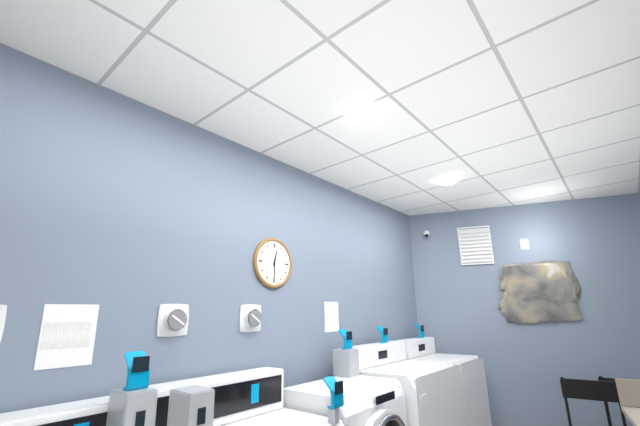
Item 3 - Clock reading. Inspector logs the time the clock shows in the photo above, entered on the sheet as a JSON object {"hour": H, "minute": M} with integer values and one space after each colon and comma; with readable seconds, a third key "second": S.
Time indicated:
{"hour": 12, "minute": 30}
